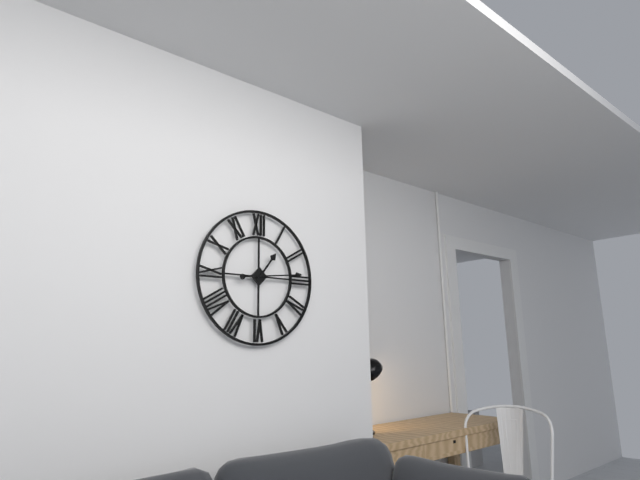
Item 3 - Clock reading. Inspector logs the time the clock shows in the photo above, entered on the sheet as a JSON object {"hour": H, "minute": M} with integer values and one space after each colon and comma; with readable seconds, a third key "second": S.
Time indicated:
{"hour": 1, "minute": 14}
